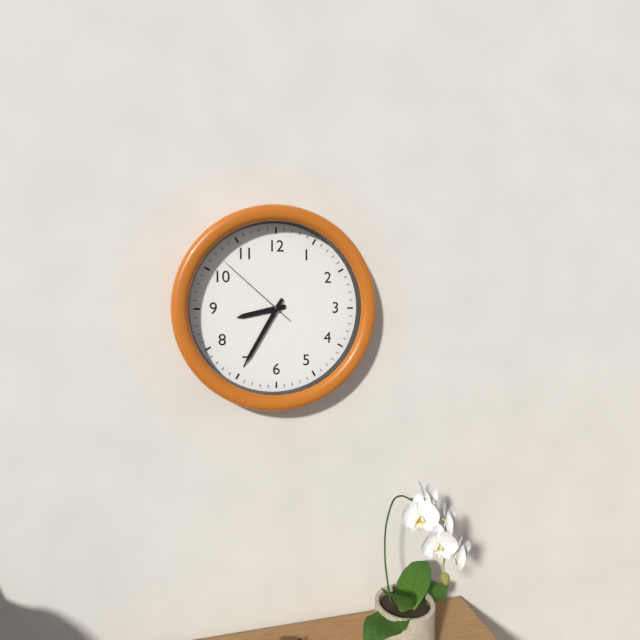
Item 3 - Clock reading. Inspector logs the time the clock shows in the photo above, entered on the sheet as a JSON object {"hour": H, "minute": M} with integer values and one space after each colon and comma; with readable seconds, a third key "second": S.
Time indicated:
{"hour": 8, "minute": 35, "second": 52}
